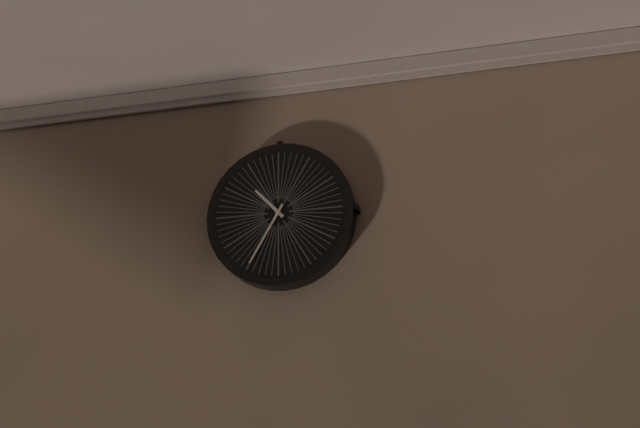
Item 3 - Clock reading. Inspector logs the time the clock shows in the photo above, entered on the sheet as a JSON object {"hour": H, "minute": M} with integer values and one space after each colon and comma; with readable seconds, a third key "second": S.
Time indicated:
{"hour": 10, "minute": 35}
